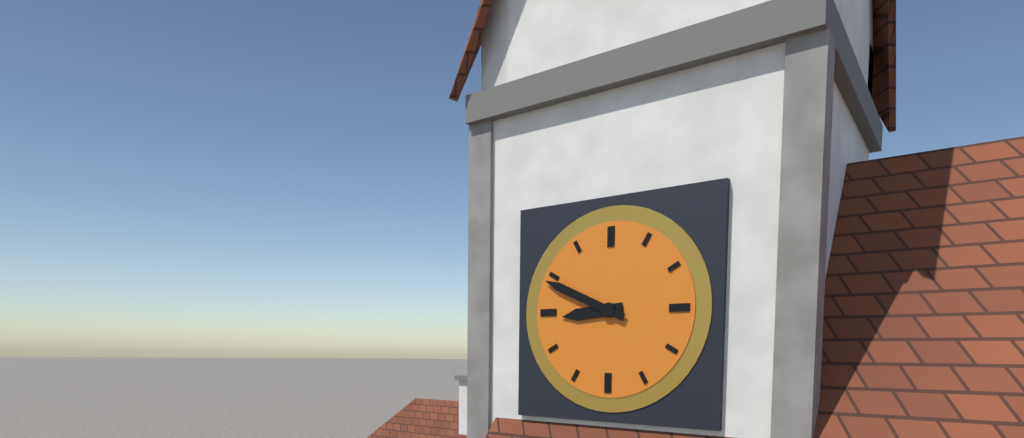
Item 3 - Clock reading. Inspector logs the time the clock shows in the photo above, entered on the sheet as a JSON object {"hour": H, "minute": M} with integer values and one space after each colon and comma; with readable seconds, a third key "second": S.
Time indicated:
{"hour": 8, "minute": 49}
